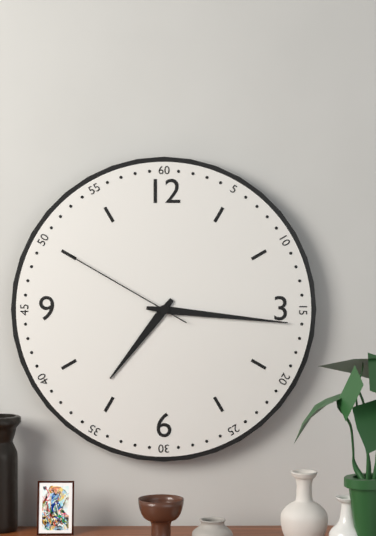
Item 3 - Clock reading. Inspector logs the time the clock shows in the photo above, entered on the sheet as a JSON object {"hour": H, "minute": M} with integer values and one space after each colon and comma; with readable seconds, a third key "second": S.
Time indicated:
{"hour": 7, "minute": 16, "second": 50}
